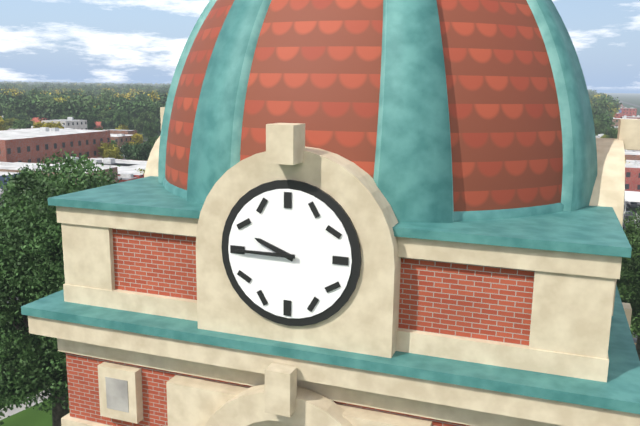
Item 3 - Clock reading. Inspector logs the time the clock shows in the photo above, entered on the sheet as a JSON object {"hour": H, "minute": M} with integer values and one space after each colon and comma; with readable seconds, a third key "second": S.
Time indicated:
{"hour": 9, "minute": 45}
